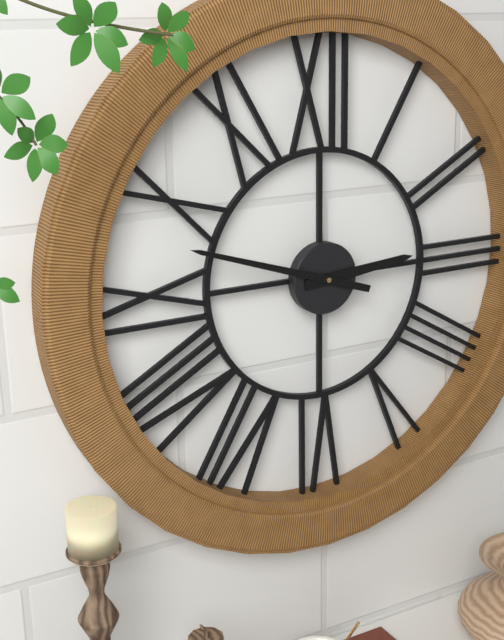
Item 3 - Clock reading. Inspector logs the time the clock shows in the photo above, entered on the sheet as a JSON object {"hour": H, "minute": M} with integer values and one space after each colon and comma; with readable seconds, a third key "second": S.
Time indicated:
{"hour": 2, "minute": 48}
